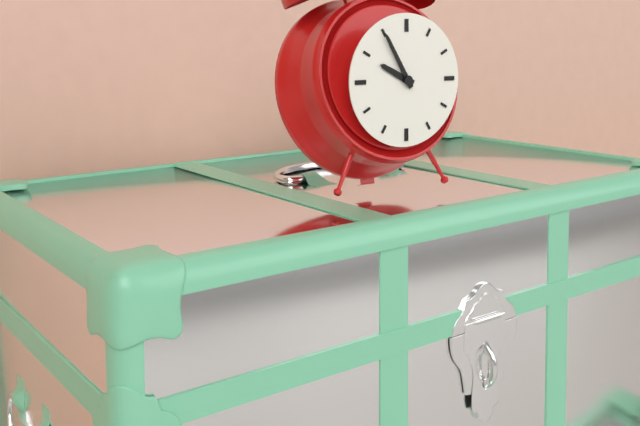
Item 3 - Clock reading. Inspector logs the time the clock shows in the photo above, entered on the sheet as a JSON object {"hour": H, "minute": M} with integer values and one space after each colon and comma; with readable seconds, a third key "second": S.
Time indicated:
{"hour": 9, "minute": 55}
